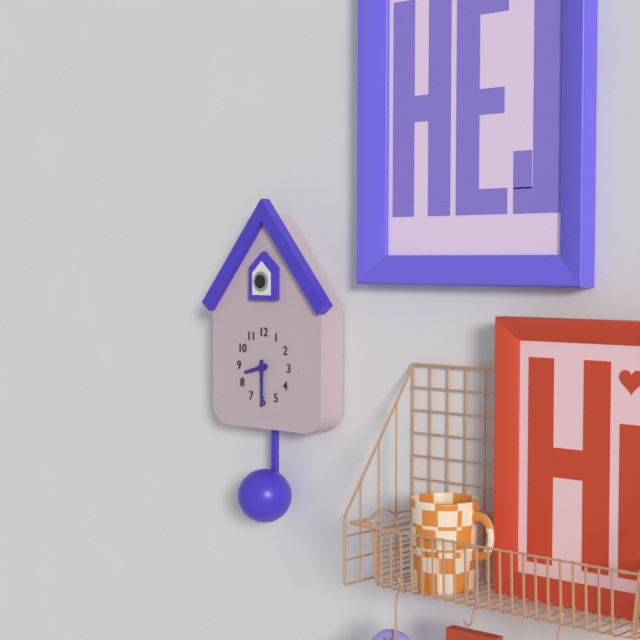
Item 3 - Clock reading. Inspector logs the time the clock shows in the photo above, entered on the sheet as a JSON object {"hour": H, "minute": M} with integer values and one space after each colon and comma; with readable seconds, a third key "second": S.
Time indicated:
{"hour": 8, "minute": 30}
